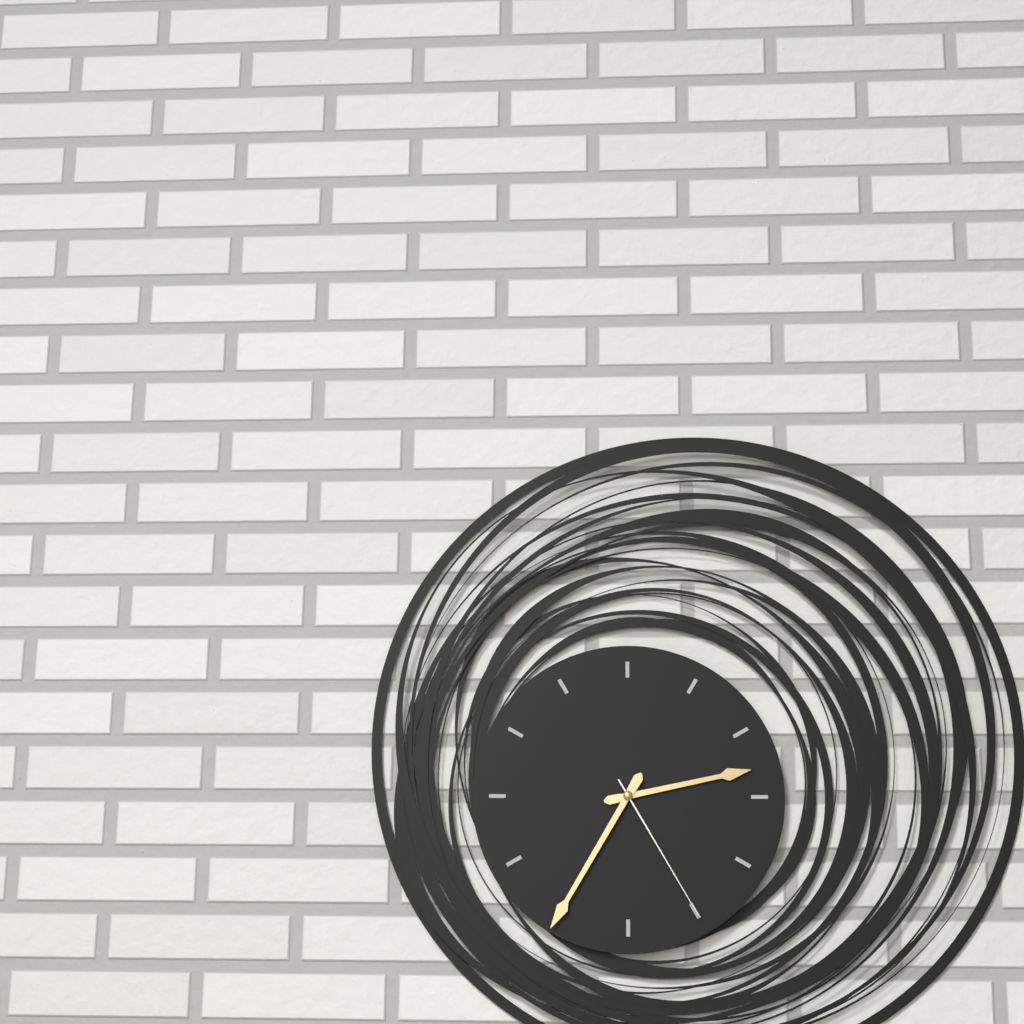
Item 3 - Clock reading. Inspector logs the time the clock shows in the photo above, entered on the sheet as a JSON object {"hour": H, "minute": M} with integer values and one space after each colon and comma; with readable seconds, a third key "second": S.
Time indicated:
{"hour": 2, "minute": 35, "second": 25}
